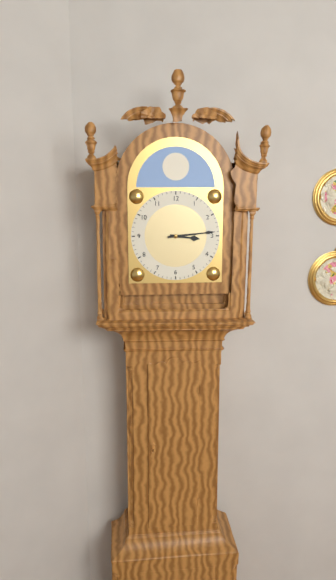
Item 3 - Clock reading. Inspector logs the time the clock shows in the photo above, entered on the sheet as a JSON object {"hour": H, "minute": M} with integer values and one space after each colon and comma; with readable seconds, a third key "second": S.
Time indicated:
{"hour": 3, "minute": 14}
